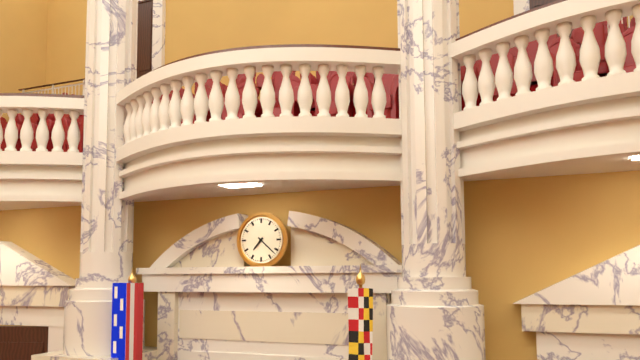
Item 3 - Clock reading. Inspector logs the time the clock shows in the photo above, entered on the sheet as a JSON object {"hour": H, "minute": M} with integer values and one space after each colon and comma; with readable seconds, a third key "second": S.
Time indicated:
{"hour": 7, "minute": 22}
